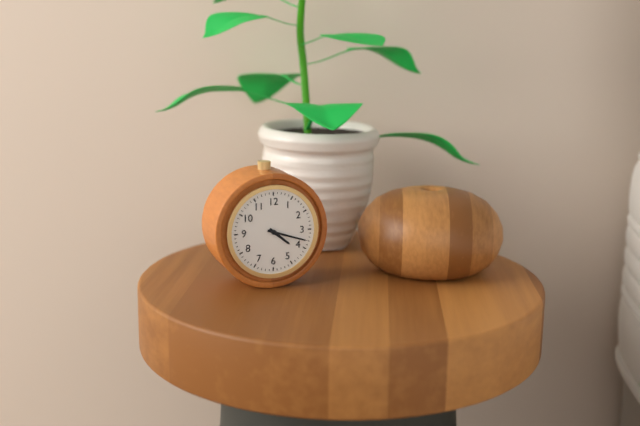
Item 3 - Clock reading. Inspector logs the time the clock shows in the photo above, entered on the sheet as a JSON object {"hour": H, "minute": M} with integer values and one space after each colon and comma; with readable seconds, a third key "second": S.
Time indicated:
{"hour": 4, "minute": 18}
